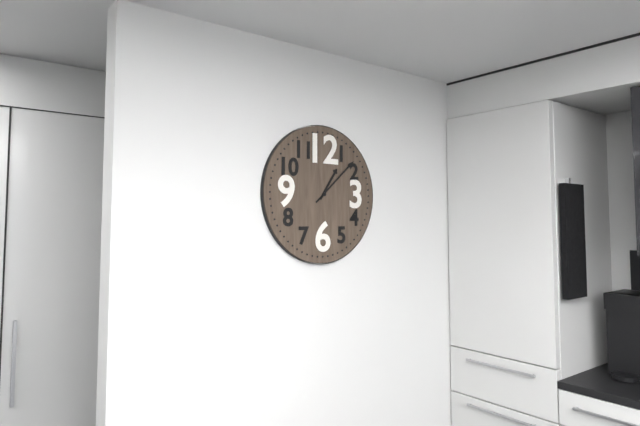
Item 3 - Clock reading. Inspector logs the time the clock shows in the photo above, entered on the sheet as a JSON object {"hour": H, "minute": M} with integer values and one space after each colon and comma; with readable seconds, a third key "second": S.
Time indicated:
{"hour": 1, "minute": 8}
